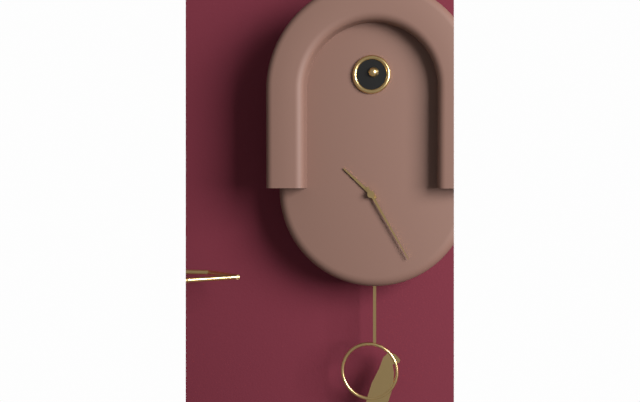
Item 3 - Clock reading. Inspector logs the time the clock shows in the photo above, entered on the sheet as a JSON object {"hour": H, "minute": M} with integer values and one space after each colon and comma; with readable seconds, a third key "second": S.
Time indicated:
{"hour": 10, "minute": 25}
